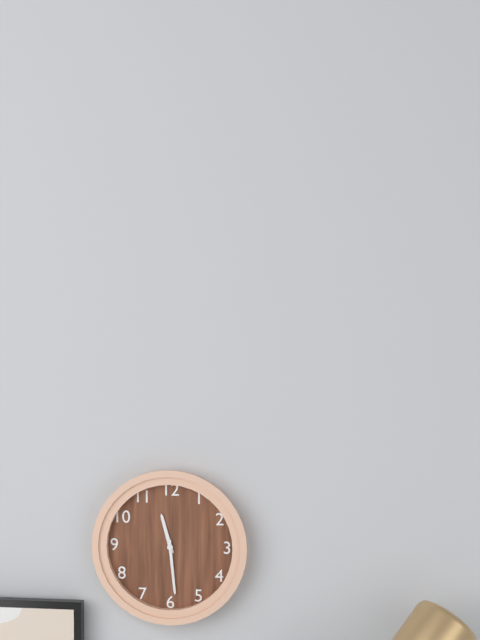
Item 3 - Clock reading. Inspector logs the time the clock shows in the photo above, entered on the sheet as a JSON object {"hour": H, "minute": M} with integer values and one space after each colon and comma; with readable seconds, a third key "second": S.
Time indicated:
{"hour": 11, "minute": 29}
